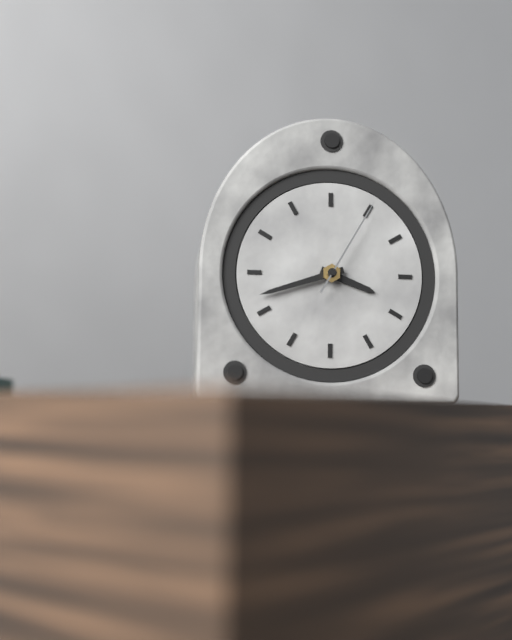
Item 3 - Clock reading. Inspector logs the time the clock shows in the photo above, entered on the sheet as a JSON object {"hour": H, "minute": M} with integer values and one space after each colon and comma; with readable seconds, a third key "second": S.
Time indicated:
{"hour": 3, "minute": 42, "second": 5}
